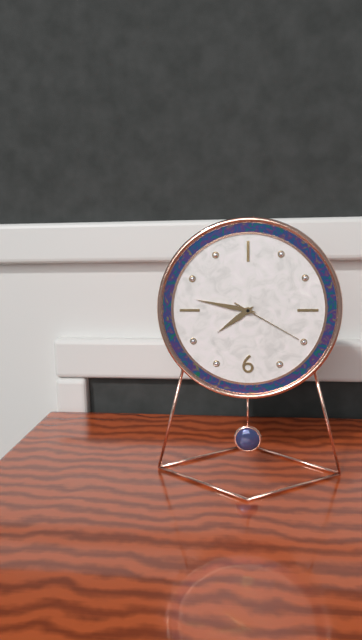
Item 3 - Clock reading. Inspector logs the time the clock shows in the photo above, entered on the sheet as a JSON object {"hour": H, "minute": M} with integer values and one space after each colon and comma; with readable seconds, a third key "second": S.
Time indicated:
{"hour": 7, "minute": 47, "second": 20}
